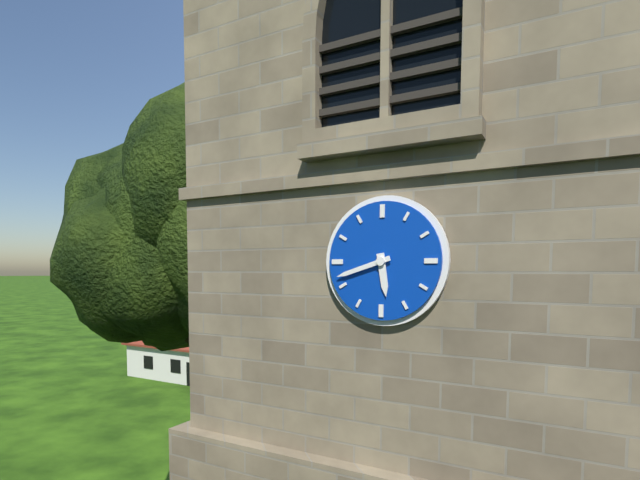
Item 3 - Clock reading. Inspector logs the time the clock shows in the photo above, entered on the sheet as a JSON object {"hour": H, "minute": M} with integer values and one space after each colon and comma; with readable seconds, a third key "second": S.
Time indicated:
{"hour": 5, "minute": 42}
